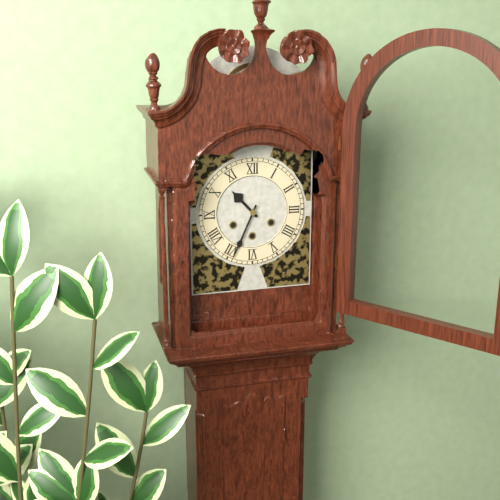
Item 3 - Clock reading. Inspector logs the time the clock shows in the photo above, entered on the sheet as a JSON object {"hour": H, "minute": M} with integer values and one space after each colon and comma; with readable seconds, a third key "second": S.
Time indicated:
{"hour": 10, "minute": 34}
